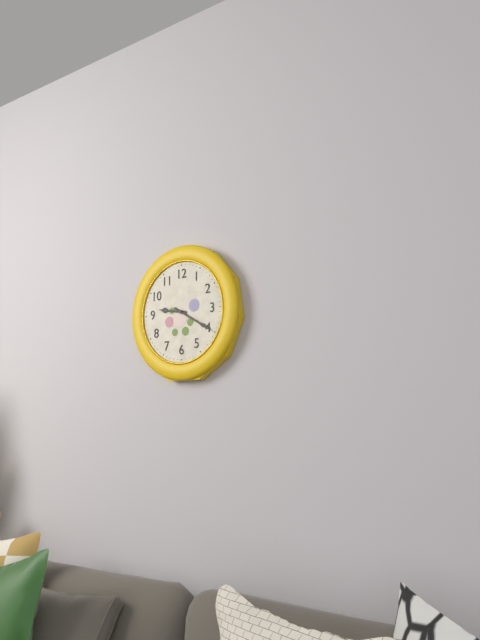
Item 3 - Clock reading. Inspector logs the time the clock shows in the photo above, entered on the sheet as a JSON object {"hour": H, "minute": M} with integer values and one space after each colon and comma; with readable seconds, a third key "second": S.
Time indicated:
{"hour": 9, "minute": 20}
